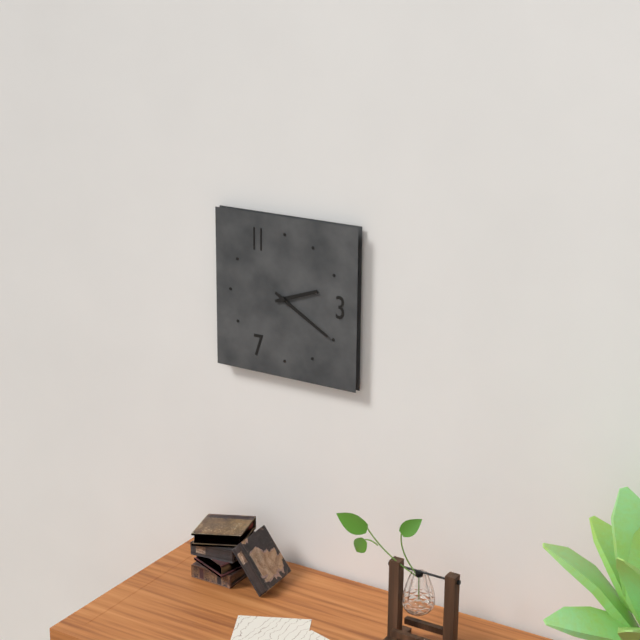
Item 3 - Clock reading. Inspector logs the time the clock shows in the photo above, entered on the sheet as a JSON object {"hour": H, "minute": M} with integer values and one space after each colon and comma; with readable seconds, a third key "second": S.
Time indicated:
{"hour": 2, "minute": 20}
